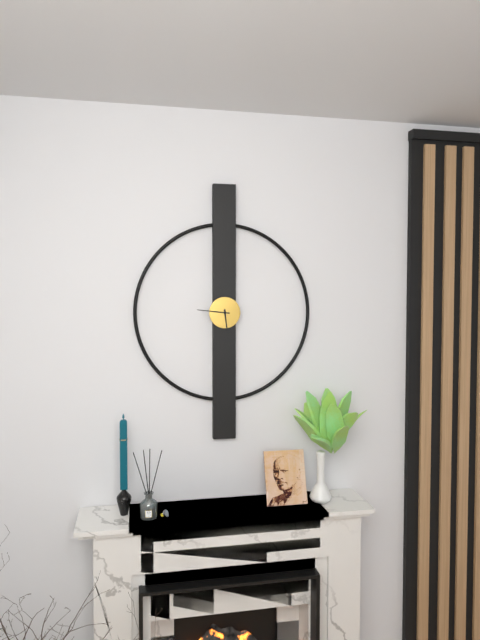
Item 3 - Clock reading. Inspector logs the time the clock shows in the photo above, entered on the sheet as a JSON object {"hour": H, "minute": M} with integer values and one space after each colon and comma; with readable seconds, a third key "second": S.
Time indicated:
{"hour": 5, "minute": 46}
